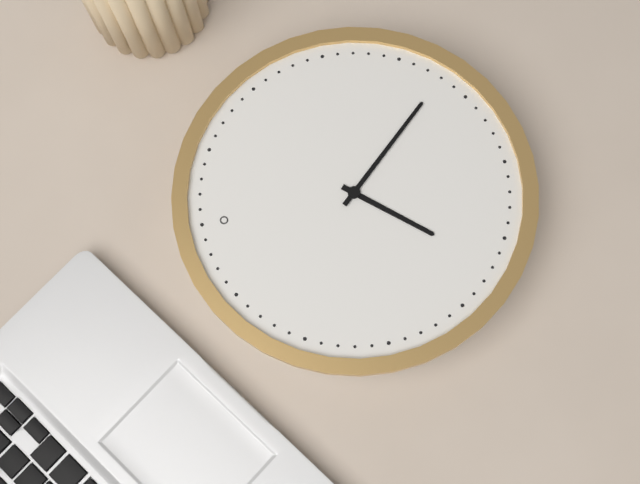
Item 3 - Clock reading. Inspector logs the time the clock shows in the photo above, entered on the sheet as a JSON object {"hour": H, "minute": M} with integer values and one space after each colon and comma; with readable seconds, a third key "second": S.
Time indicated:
{"hour": 7, "minute": 23}
